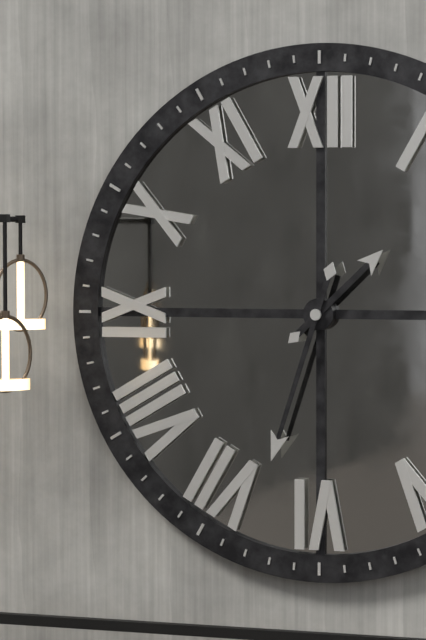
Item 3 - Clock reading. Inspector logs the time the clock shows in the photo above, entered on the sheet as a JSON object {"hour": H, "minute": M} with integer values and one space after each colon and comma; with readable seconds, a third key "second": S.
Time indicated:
{"hour": 1, "minute": 33}
